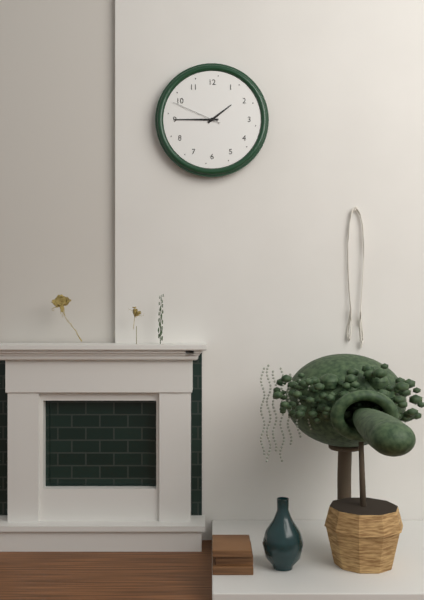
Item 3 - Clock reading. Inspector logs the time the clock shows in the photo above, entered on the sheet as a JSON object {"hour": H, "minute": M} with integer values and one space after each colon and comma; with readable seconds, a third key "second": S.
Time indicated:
{"hour": 1, "minute": 45, "second": 49}
